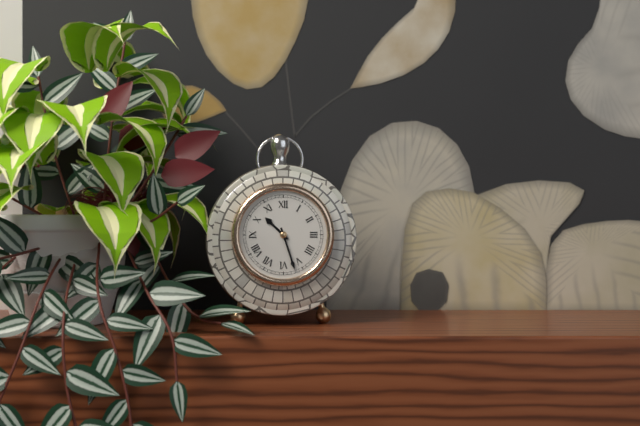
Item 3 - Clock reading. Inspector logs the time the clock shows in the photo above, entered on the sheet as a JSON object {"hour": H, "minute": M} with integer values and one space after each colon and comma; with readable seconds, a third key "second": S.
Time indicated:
{"hour": 10, "minute": 27}
